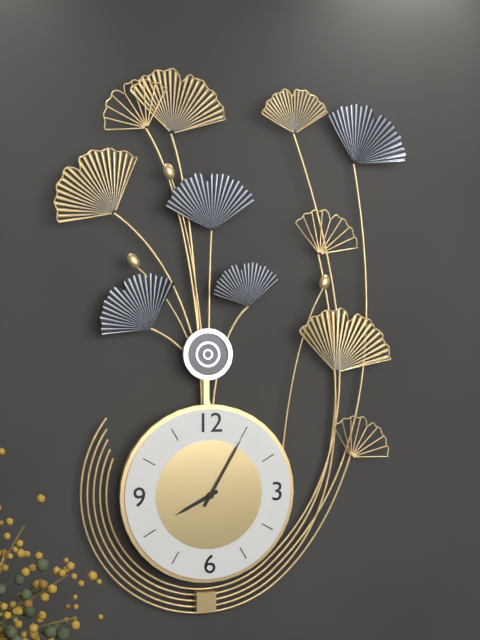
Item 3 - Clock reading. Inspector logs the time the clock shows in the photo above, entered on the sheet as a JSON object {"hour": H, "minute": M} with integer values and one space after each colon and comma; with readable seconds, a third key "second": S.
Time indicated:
{"hour": 8, "minute": 5}
